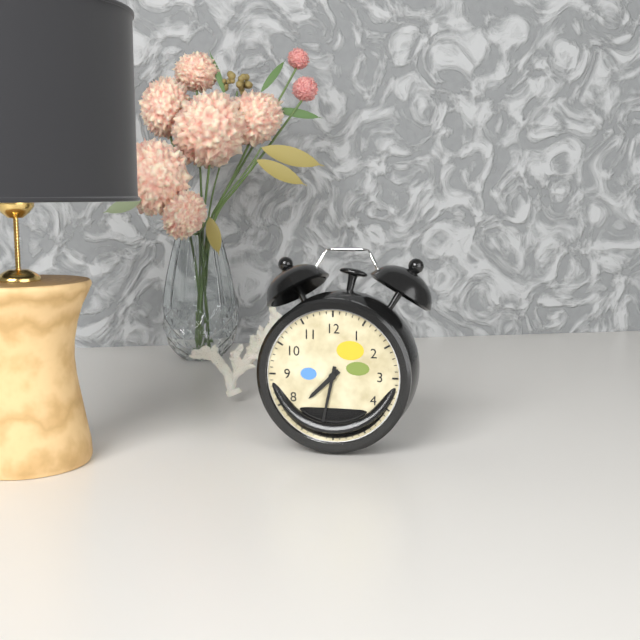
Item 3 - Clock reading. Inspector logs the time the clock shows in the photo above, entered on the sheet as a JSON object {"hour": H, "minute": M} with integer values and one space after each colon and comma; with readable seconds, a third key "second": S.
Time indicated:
{"hour": 7, "minute": 32}
